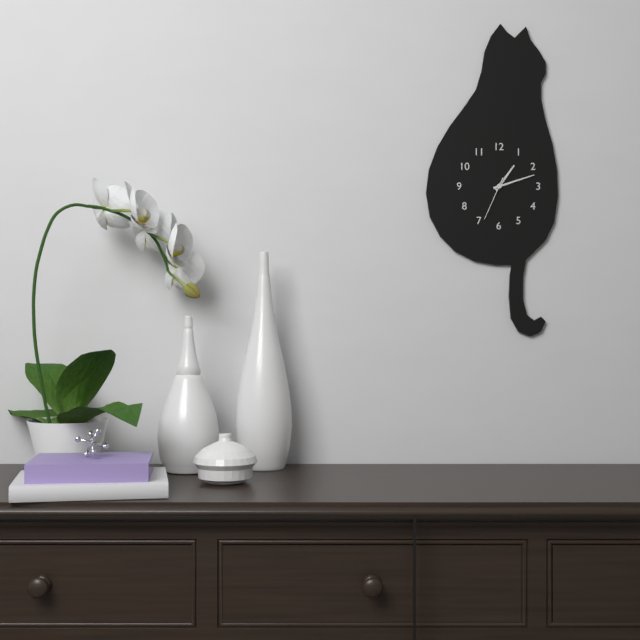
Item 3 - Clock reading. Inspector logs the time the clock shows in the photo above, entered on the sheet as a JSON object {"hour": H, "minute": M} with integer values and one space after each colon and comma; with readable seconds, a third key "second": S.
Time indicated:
{"hour": 1, "minute": 12}
